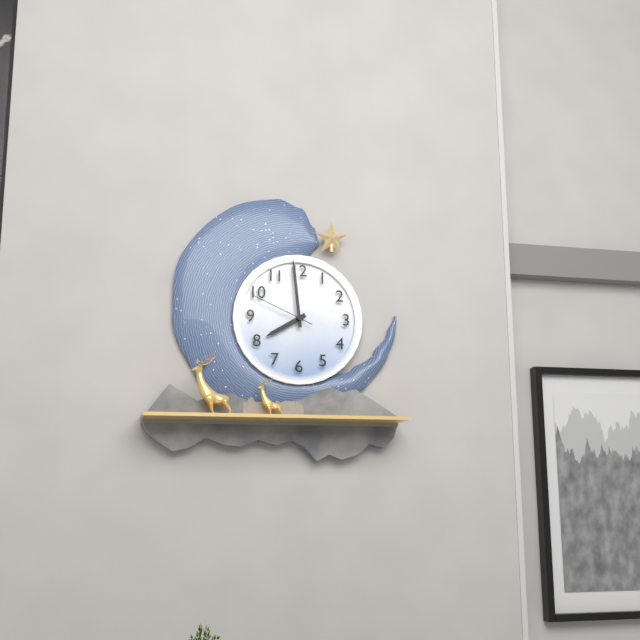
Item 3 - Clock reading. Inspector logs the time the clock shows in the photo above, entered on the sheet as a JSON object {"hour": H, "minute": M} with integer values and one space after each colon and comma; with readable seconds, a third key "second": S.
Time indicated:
{"hour": 7, "minute": 59, "second": 49}
